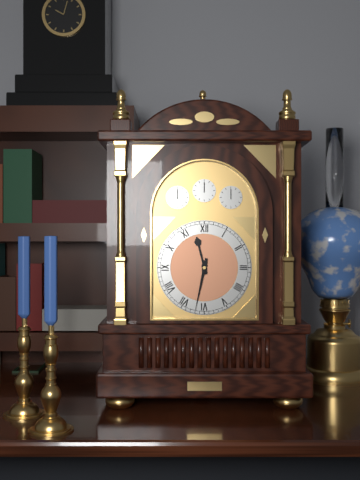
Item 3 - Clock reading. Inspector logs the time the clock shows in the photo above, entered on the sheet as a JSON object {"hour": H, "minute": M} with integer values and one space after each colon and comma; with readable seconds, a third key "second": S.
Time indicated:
{"hour": 11, "minute": 32}
